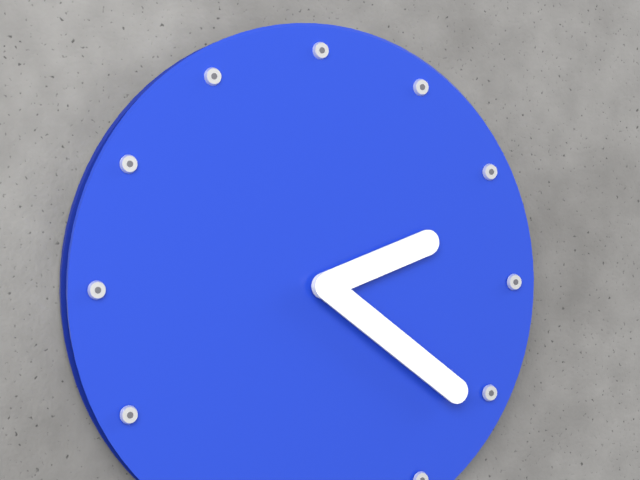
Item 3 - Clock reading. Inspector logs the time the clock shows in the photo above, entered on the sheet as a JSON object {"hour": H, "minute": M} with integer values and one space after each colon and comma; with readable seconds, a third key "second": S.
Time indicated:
{"hour": 2, "minute": 21}
